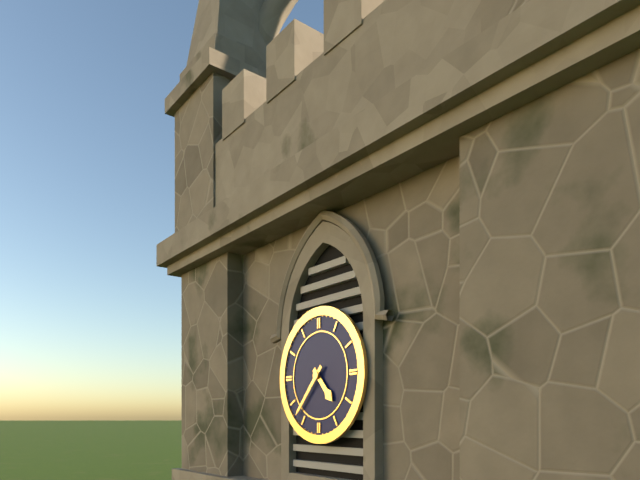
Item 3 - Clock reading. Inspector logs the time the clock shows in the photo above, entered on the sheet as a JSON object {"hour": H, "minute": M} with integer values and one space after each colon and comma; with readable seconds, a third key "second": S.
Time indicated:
{"hour": 4, "minute": 37}
